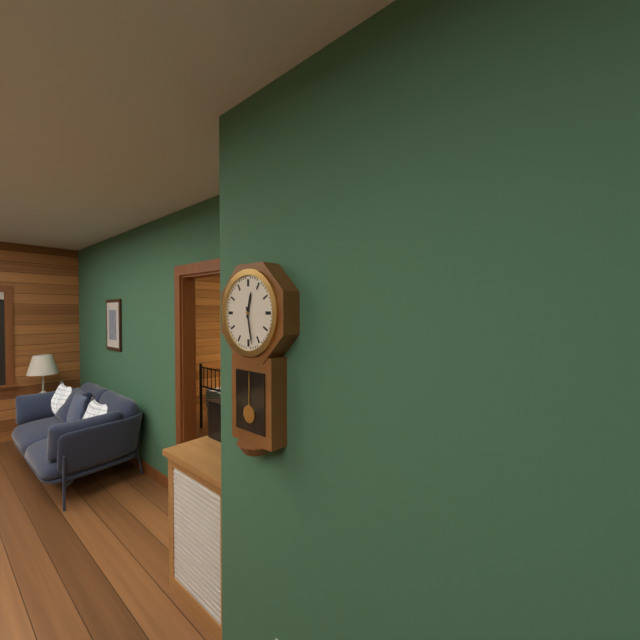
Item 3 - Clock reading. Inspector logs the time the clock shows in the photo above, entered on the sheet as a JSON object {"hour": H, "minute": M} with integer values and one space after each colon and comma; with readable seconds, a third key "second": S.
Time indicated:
{"hour": 12, "minute": 28}
